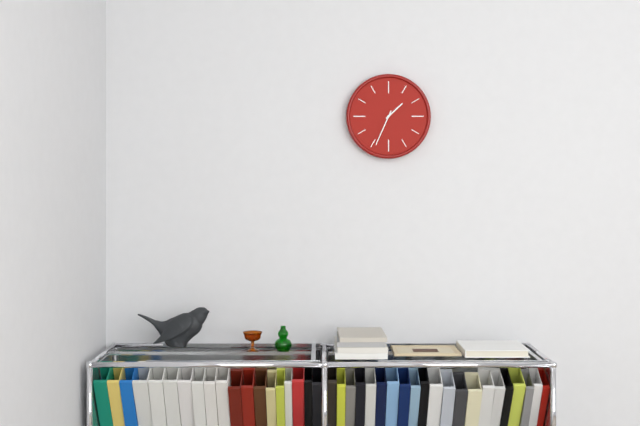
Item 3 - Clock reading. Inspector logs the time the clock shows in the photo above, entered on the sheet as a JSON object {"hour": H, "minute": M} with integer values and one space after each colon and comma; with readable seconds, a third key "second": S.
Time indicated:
{"hour": 1, "minute": 34}
